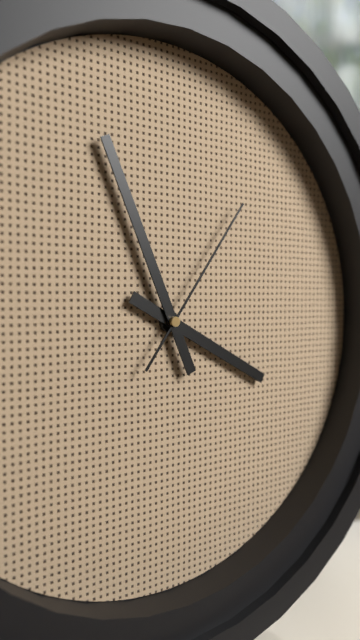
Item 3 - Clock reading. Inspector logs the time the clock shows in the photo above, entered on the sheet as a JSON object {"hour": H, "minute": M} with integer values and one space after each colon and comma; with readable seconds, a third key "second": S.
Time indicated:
{"hour": 3, "minute": 56, "second": 6}
